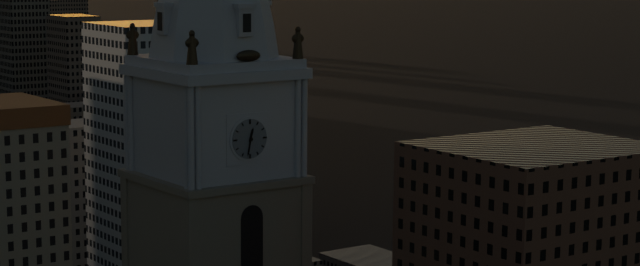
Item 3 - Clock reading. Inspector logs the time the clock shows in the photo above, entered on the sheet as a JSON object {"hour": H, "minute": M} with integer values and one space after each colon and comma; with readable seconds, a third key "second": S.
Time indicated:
{"hour": 12, "minute": 32}
